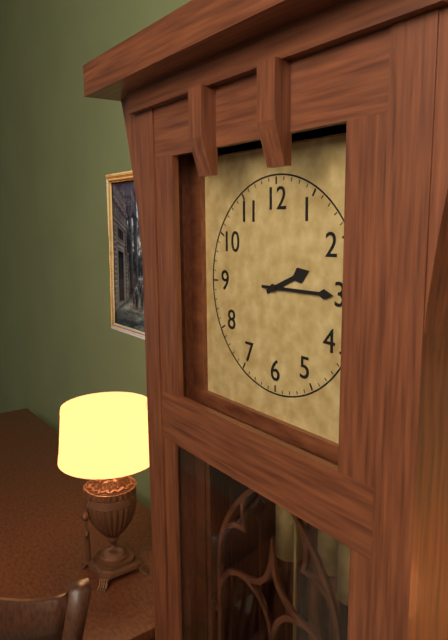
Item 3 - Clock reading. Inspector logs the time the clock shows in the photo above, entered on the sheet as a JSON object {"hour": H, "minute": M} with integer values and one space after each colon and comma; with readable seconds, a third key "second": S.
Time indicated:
{"hour": 2, "minute": 15}
